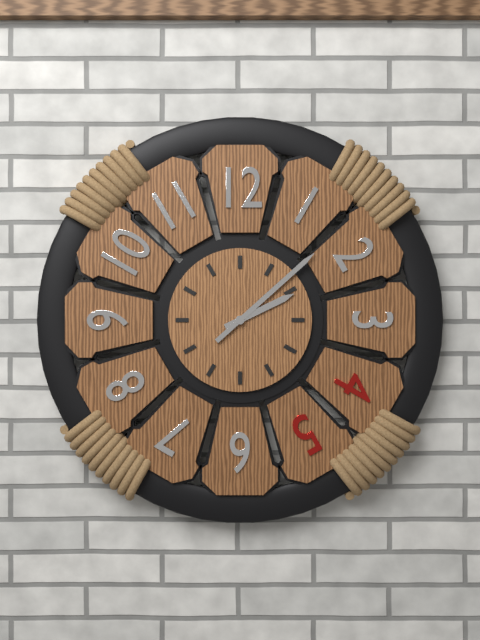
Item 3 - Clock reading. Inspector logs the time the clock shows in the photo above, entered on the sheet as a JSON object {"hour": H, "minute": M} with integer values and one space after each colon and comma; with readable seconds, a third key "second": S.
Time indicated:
{"hour": 2, "minute": 8}
